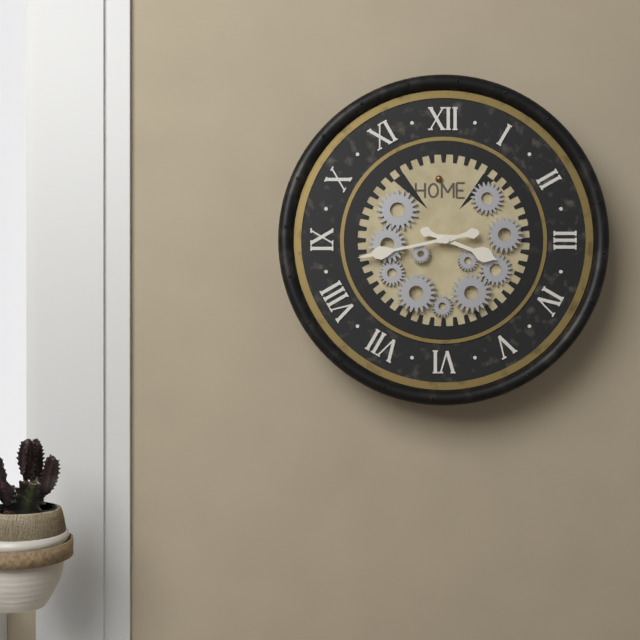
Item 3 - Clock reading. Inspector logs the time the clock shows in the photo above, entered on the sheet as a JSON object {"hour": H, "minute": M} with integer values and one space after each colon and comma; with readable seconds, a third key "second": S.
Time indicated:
{"hour": 3, "minute": 43}
